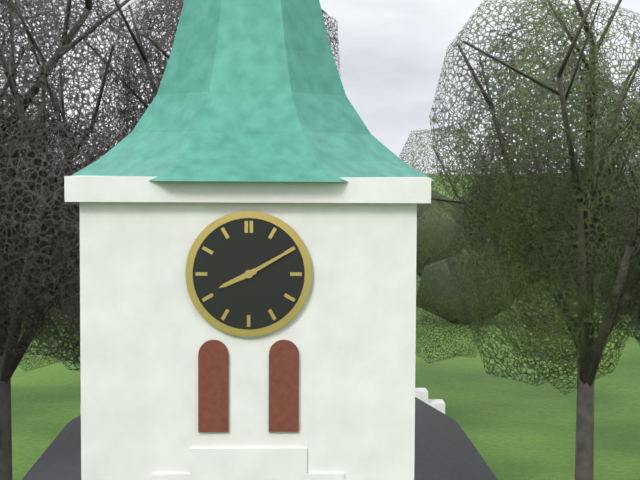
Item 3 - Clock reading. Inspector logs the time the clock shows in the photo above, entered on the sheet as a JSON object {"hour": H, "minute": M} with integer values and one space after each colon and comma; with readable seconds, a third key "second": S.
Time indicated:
{"hour": 8, "minute": 10}
